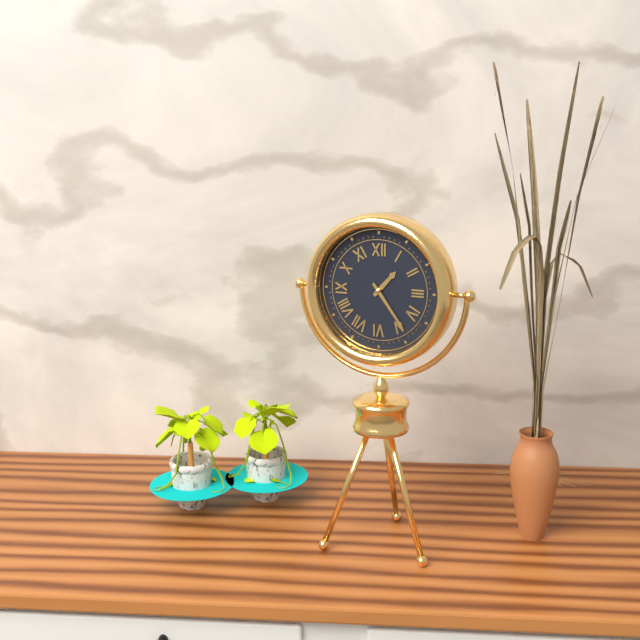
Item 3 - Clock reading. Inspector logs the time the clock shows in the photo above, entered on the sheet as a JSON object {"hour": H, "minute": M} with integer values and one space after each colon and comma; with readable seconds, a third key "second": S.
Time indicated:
{"hour": 1, "minute": 24}
